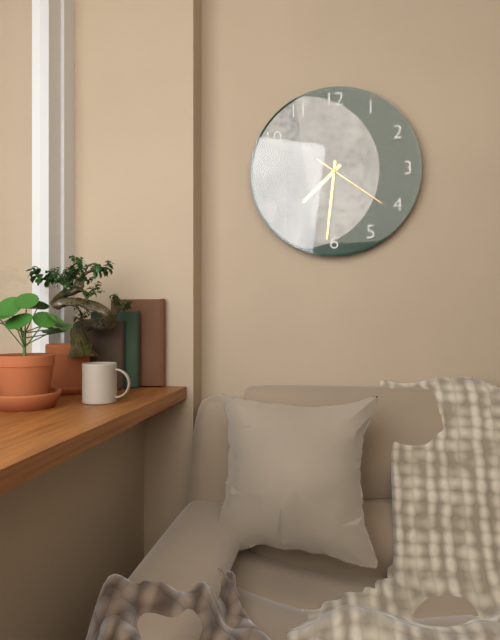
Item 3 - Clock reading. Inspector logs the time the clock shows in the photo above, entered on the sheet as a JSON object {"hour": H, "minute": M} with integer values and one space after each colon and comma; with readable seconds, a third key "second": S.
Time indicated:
{"hour": 7, "minute": 31, "second": 21}
